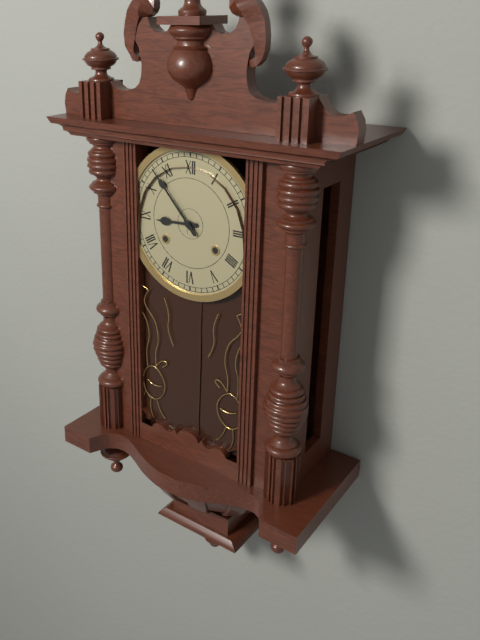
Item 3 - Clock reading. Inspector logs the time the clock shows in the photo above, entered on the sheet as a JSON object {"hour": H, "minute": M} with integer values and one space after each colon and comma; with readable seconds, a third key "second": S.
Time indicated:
{"hour": 8, "minute": 53}
